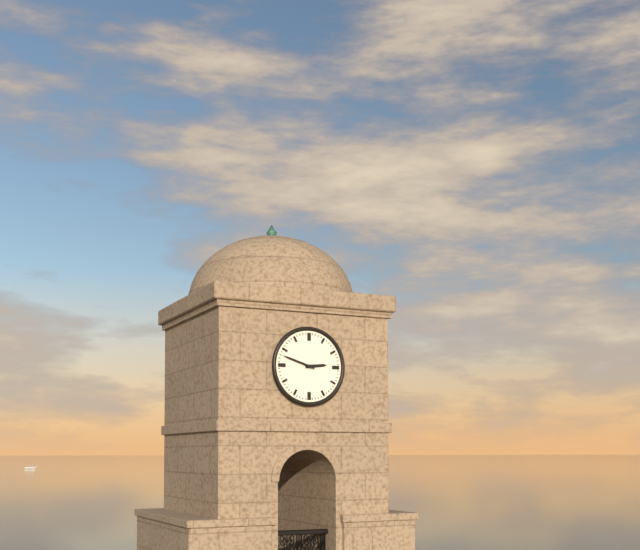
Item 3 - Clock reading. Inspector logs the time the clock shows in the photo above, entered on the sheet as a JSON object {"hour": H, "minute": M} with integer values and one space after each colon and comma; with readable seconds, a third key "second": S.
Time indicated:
{"hour": 2, "minute": 48}
